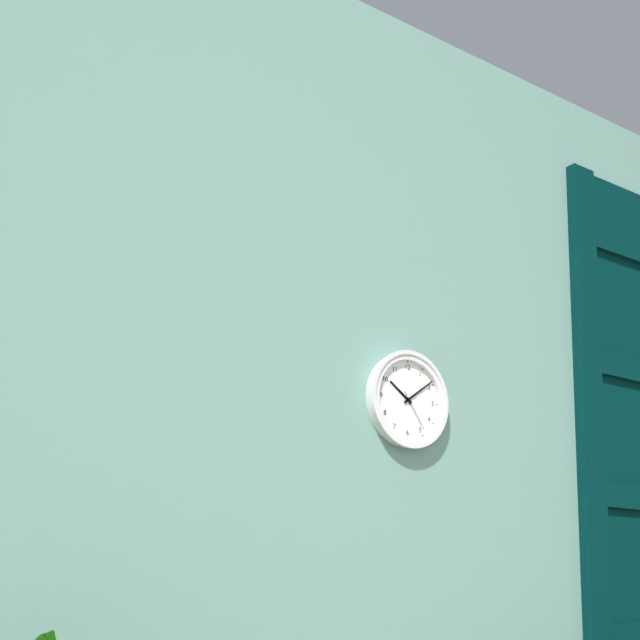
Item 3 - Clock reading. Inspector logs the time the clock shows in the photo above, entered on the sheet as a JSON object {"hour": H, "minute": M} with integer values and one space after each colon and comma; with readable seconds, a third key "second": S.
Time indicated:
{"hour": 10, "minute": 9}
